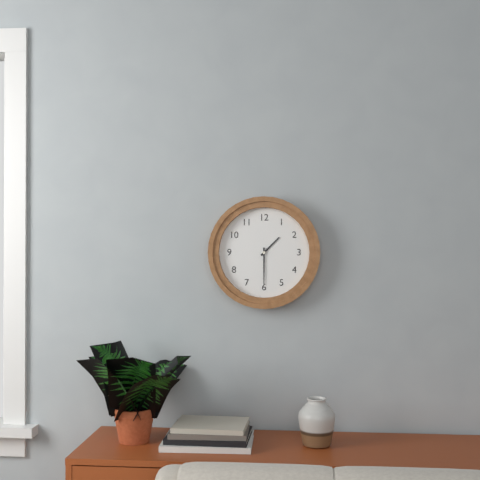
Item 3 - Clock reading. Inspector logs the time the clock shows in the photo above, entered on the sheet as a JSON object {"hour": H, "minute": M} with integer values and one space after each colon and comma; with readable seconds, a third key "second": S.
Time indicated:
{"hour": 1, "minute": 30}
